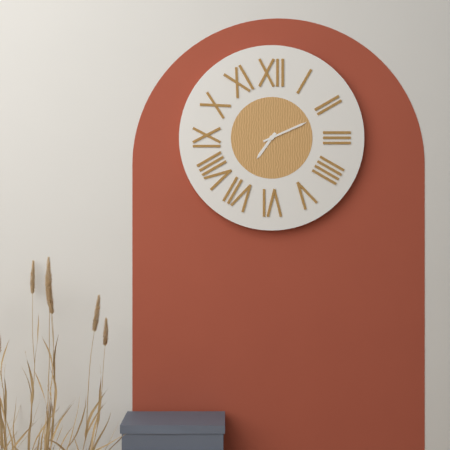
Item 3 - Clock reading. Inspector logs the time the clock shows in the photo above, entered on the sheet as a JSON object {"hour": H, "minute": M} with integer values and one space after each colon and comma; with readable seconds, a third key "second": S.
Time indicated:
{"hour": 7, "minute": 11}
